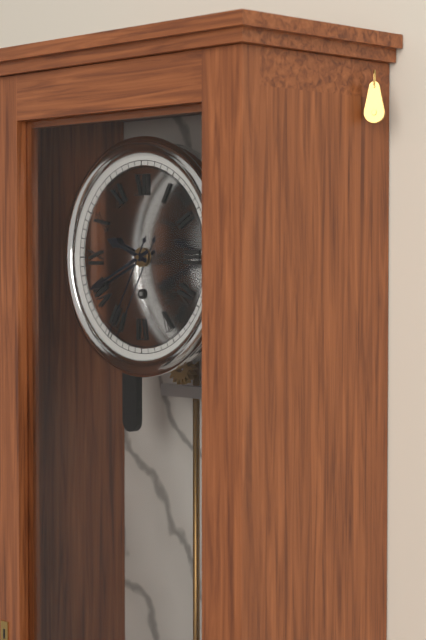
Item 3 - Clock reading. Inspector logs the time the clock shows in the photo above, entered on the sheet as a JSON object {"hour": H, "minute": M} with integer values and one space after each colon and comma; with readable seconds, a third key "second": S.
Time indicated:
{"hour": 9, "minute": 41, "second": 35}
